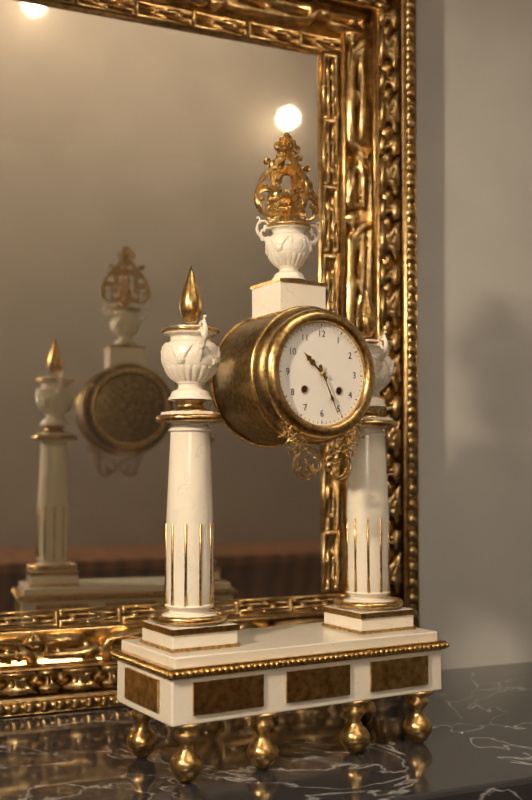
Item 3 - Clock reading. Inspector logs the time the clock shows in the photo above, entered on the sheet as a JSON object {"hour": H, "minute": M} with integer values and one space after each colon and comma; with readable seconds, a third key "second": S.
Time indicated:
{"hour": 10, "minute": 26}
